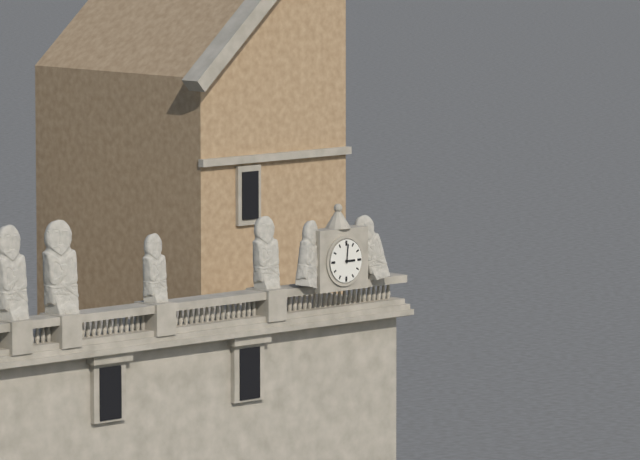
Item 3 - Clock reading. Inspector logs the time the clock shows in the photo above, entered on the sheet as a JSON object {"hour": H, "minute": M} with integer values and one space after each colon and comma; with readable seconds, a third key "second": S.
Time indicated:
{"hour": 3, "minute": 1}
